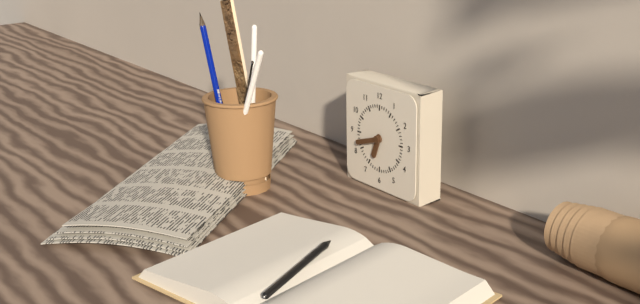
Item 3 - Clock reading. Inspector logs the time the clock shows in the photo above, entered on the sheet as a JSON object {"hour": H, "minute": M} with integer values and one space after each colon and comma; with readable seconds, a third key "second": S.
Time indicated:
{"hour": 6, "minute": 42}
